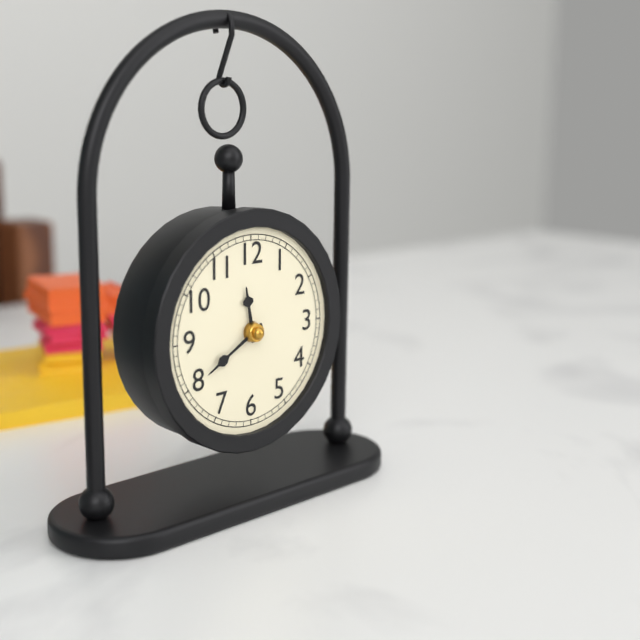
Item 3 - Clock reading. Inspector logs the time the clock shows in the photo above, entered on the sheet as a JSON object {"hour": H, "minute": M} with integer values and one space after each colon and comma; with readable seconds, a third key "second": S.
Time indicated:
{"hour": 11, "minute": 40}
